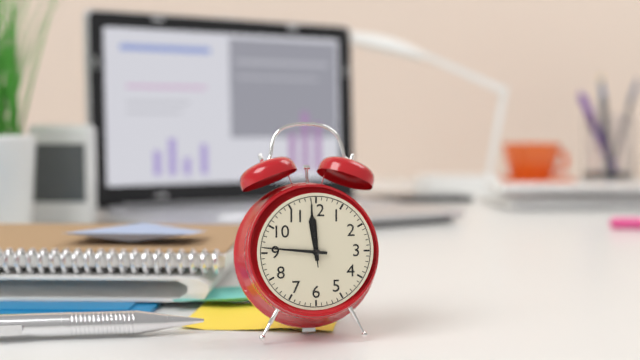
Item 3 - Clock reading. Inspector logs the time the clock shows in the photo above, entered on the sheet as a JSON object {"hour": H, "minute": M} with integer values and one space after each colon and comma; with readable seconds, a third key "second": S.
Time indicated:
{"hour": 11, "minute": 46, "second": 59}
